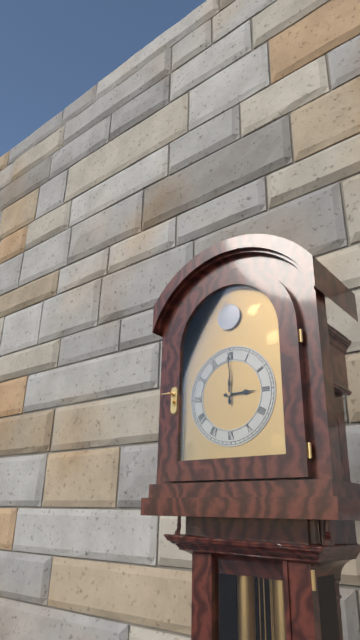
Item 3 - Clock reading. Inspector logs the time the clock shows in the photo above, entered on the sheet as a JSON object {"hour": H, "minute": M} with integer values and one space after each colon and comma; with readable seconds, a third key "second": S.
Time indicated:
{"hour": 3, "minute": 0}
